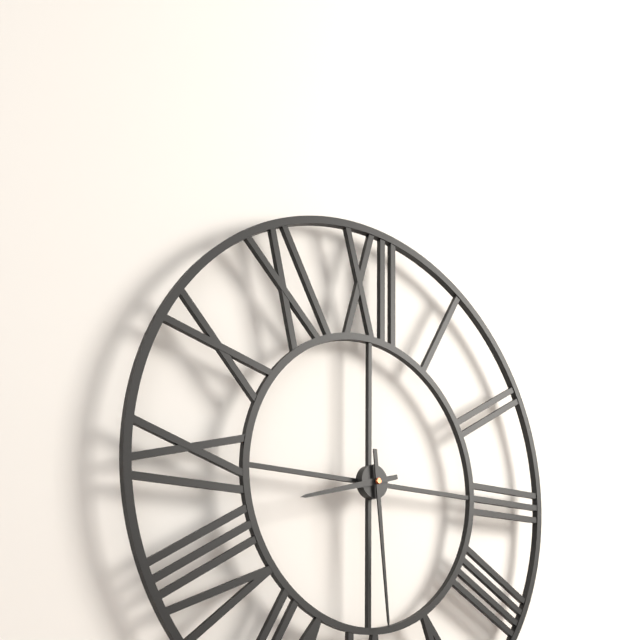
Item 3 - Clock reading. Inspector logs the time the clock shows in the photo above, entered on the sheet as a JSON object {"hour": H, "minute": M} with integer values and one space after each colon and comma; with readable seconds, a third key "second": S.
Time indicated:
{"hour": 8, "minute": 29}
